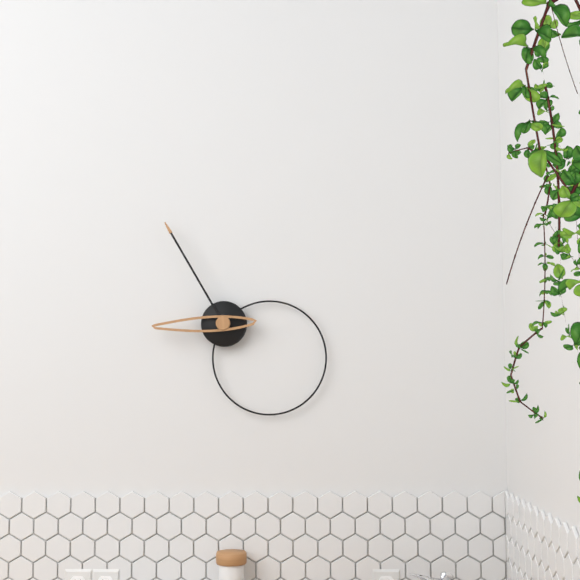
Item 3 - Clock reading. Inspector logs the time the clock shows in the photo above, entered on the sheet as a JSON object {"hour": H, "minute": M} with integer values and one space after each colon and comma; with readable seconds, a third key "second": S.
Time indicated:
{"hour": 8, "minute": 55}
